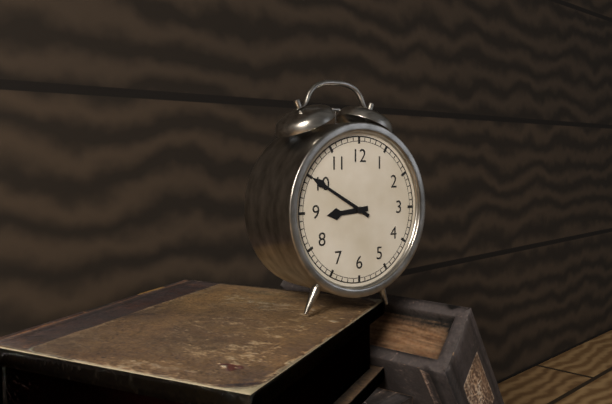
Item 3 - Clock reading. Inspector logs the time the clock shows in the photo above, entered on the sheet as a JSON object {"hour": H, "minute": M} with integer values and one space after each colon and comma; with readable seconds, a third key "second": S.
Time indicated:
{"hour": 8, "minute": 50}
